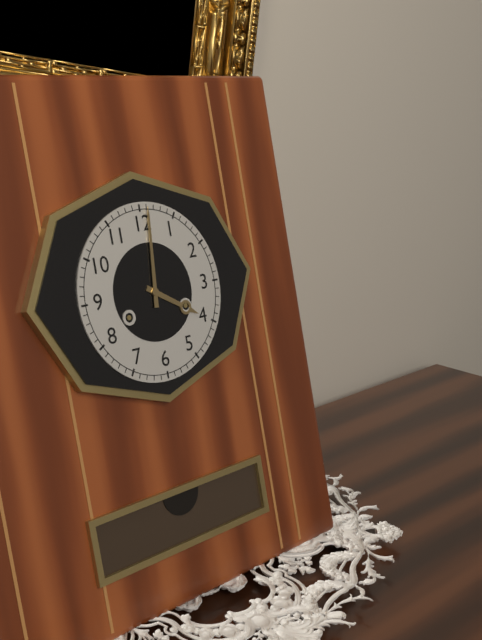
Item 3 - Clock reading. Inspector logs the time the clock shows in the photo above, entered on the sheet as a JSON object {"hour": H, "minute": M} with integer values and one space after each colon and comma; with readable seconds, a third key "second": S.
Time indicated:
{"hour": 4, "minute": 1}
